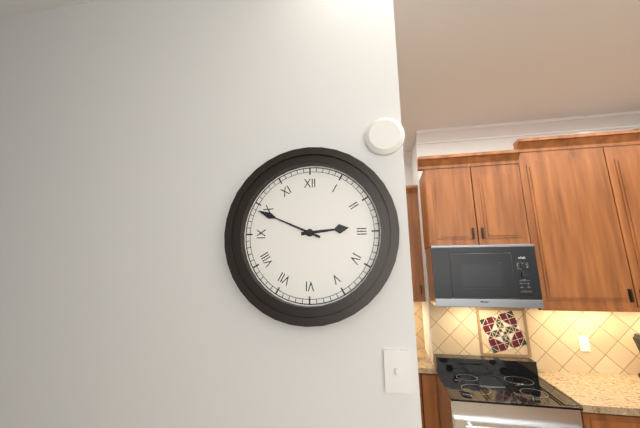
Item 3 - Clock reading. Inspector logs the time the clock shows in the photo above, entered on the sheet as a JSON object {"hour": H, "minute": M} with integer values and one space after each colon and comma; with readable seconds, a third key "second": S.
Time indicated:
{"hour": 2, "minute": 49}
